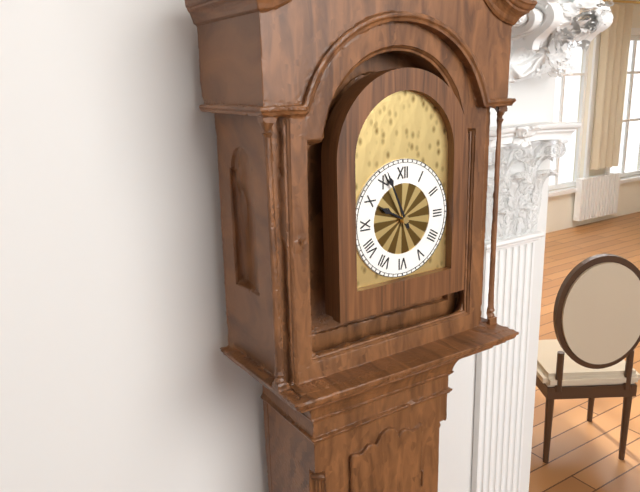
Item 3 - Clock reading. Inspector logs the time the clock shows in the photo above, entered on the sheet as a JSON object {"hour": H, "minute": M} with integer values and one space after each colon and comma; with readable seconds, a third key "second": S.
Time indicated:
{"hour": 9, "minute": 56}
